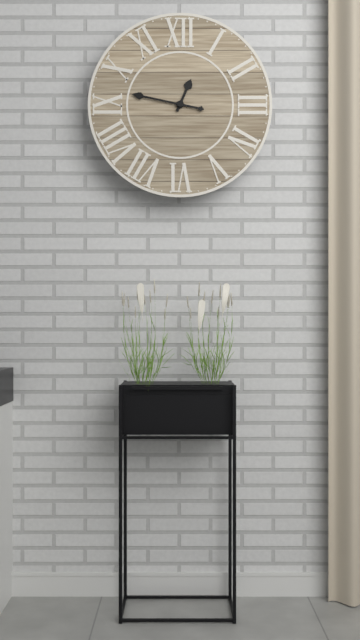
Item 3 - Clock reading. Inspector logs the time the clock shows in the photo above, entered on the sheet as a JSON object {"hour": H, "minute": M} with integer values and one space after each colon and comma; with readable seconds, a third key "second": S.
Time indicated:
{"hour": 12, "minute": 47}
